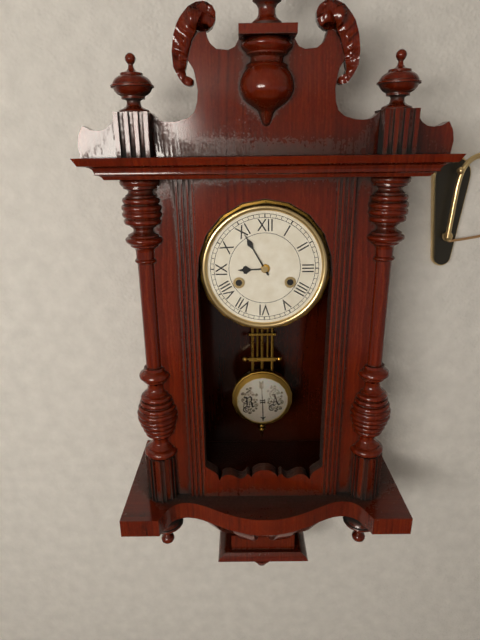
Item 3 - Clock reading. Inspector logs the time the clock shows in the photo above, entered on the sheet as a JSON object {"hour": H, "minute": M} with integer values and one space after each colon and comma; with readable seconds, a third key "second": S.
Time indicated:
{"hour": 8, "minute": 55}
